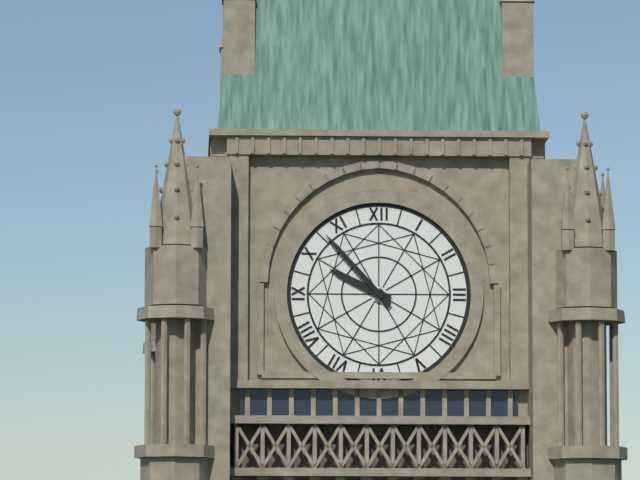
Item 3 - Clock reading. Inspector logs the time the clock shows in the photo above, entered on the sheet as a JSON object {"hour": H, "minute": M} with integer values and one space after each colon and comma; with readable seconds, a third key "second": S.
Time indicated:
{"hour": 9, "minute": 53}
